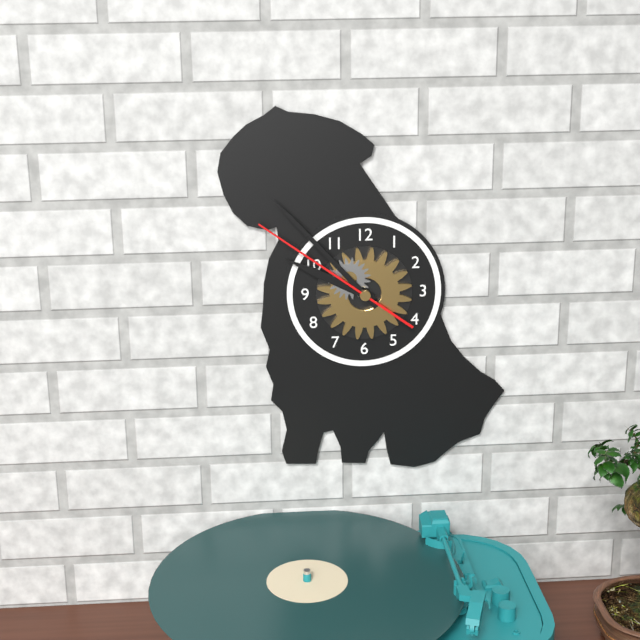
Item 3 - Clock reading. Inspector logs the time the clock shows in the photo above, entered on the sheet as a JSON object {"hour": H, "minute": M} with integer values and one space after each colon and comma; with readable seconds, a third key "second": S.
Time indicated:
{"hour": 9, "minute": 53, "second": 51}
